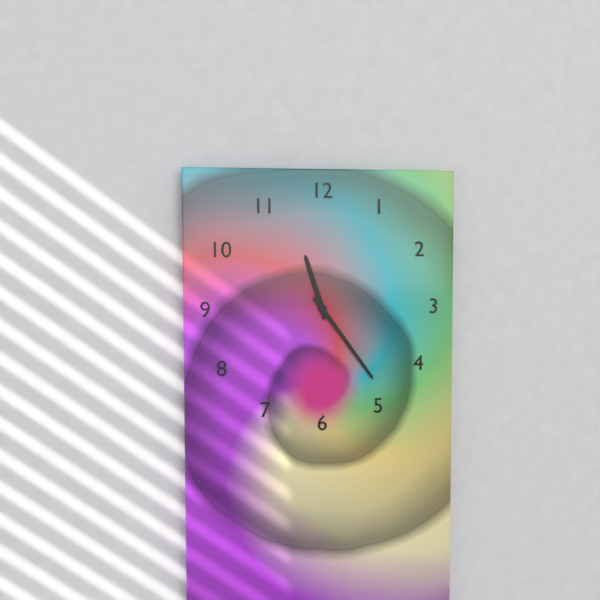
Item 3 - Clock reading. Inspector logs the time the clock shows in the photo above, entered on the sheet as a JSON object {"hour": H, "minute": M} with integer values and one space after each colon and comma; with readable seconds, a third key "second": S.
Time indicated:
{"hour": 11, "minute": 24}
